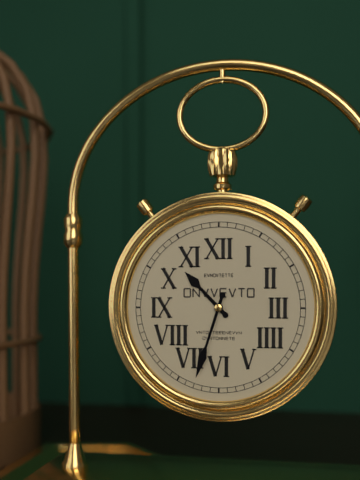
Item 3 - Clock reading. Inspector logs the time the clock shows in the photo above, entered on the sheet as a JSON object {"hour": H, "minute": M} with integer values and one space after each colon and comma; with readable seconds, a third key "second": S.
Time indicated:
{"hour": 10, "minute": 33}
